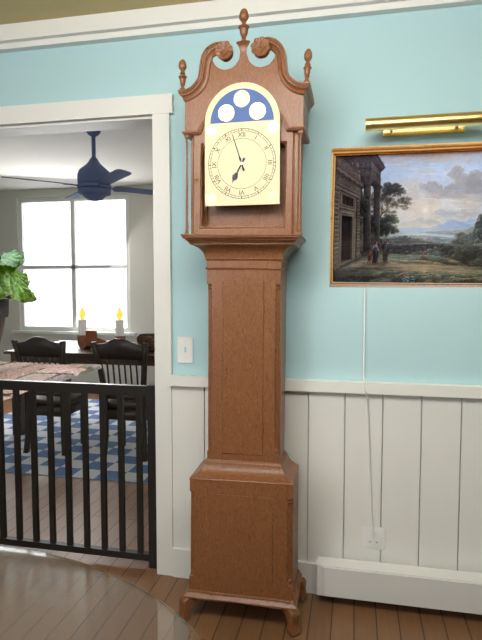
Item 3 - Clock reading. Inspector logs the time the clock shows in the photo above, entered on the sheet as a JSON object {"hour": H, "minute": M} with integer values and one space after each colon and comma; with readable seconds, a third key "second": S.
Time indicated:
{"hour": 6, "minute": 57}
